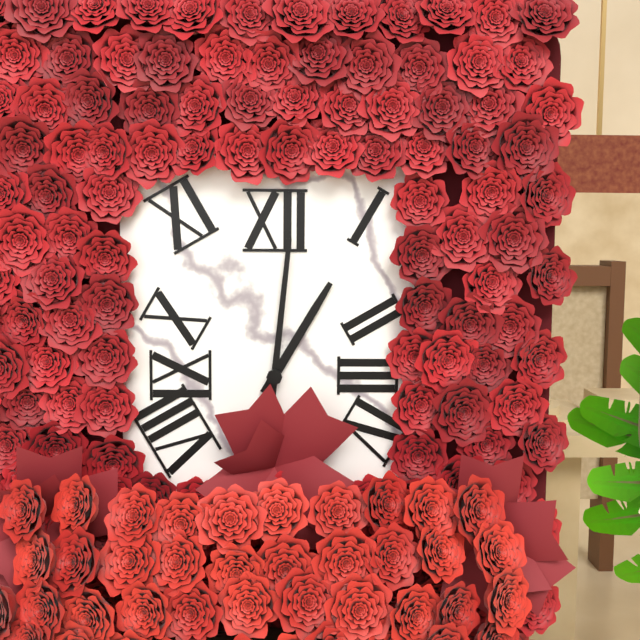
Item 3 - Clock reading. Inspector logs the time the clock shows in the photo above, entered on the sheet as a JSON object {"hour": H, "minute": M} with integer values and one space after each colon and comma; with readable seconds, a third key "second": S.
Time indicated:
{"hour": 1, "minute": 1}
